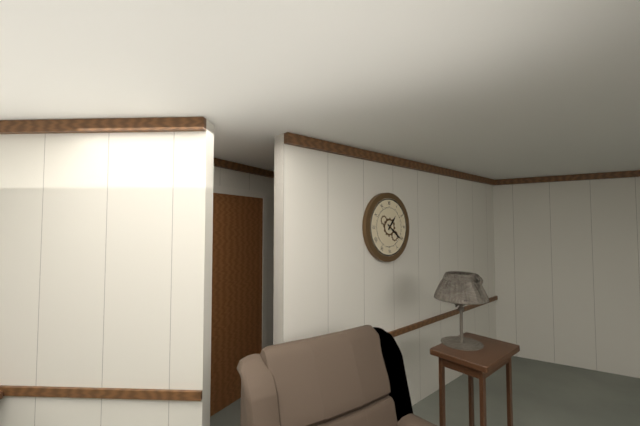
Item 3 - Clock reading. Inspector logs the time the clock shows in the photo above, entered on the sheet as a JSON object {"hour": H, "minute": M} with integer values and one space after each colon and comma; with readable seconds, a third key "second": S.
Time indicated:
{"hour": 1, "minute": 21}
